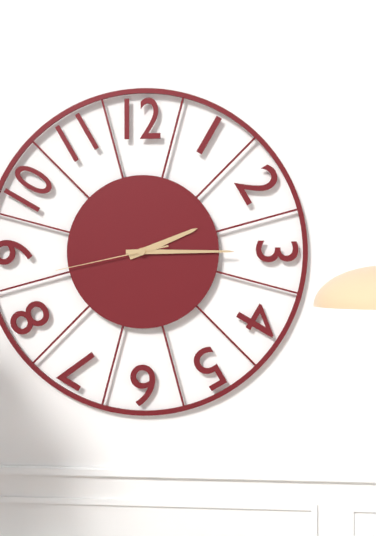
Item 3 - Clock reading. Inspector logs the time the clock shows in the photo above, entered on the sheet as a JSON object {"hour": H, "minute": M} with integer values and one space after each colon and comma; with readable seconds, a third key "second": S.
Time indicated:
{"hour": 2, "minute": 15, "second": 43}
